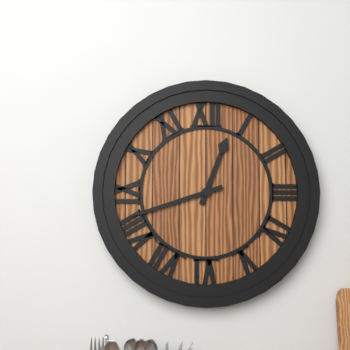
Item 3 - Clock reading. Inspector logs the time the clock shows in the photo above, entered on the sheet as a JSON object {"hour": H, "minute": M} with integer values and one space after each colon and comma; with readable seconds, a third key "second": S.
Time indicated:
{"hour": 12, "minute": 42}
